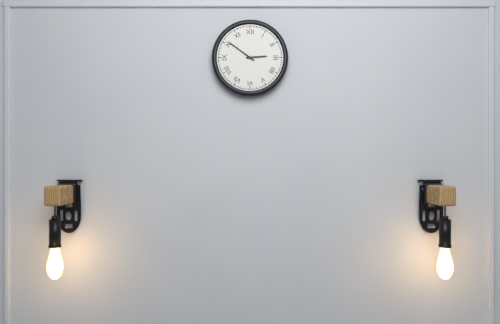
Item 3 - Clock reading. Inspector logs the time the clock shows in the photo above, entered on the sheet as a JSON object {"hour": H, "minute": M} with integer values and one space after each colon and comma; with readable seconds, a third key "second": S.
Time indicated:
{"hour": 2, "minute": 51}
